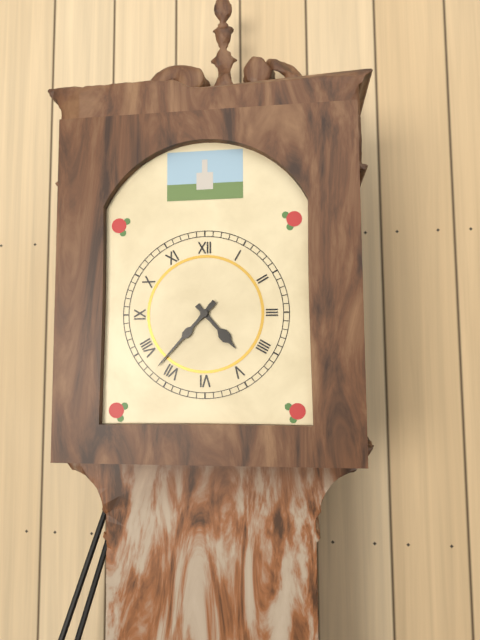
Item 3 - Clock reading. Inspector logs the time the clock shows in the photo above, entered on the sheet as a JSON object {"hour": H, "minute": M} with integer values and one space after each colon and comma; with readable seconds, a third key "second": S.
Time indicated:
{"hour": 4, "minute": 37}
